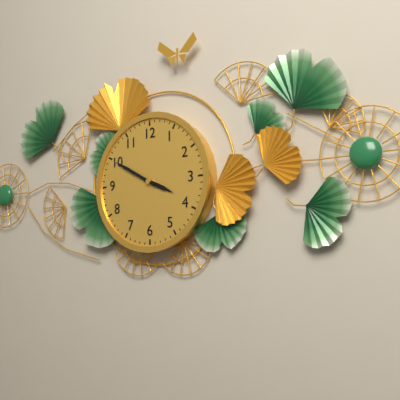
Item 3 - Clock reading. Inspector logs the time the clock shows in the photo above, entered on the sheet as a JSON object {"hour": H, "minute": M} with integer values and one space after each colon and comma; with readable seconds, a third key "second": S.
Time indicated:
{"hour": 3, "minute": 50}
